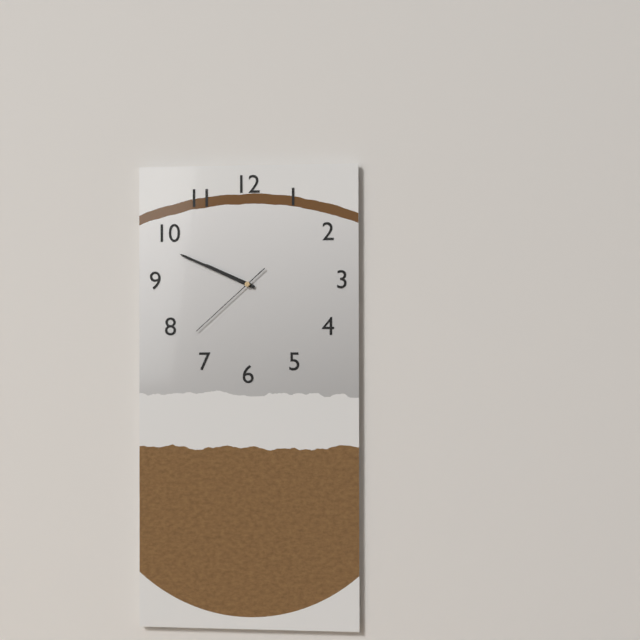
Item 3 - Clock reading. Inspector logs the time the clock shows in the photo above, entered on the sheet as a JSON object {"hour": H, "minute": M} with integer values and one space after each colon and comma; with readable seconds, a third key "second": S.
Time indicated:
{"hour": 9, "minute": 49, "second": 38}
